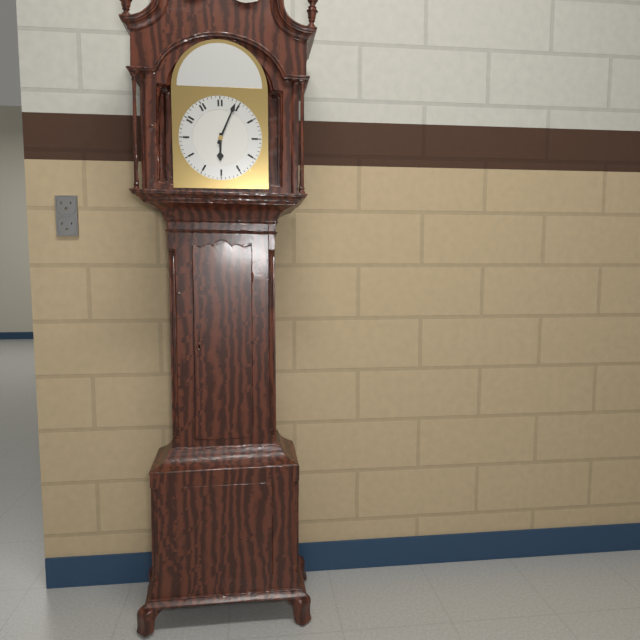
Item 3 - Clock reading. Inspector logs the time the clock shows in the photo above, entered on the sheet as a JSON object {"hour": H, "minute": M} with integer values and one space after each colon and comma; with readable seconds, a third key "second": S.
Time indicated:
{"hour": 6, "minute": 4}
